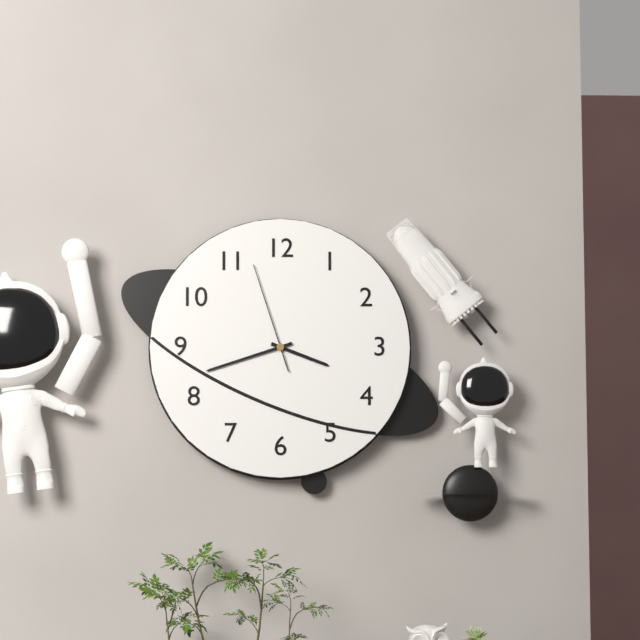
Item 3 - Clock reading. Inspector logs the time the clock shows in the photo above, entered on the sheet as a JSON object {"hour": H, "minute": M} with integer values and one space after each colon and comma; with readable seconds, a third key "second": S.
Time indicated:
{"hour": 3, "minute": 42, "second": 57}
